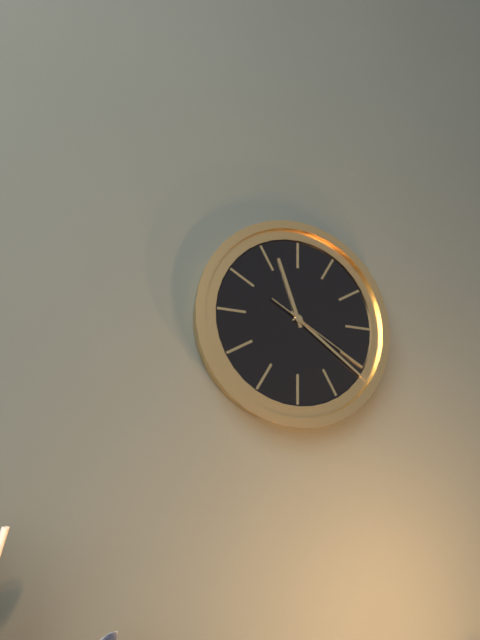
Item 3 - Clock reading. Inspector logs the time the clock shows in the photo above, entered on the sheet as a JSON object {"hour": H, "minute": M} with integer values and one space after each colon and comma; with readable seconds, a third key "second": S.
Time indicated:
{"hour": 11, "minute": 21, "second": 20}
